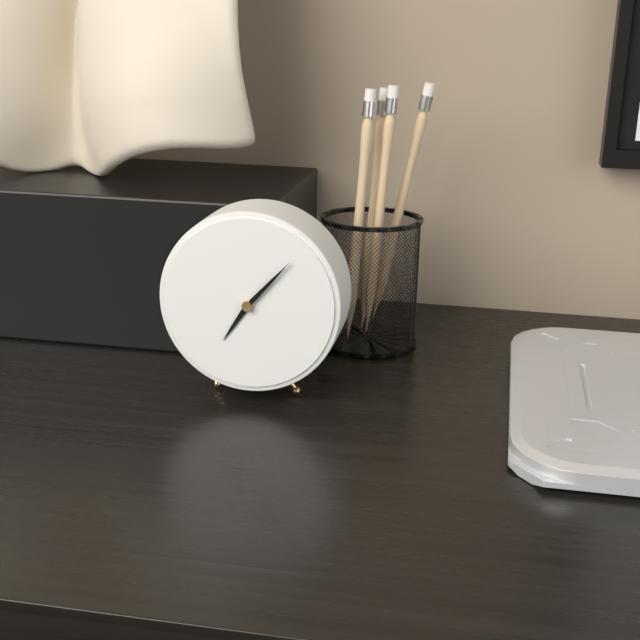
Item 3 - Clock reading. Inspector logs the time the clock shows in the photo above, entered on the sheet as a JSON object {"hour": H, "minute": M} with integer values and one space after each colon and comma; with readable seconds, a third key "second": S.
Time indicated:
{"hour": 7, "minute": 7}
